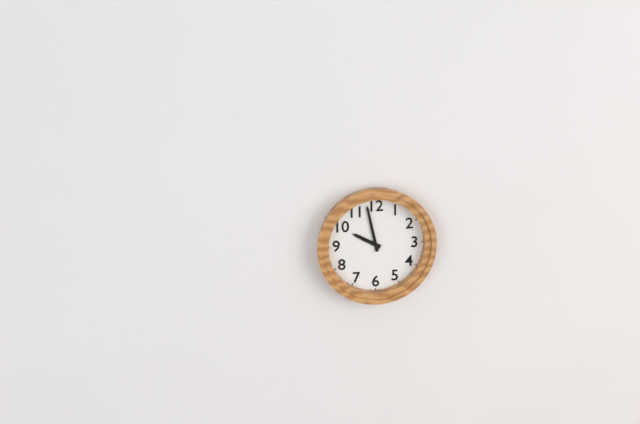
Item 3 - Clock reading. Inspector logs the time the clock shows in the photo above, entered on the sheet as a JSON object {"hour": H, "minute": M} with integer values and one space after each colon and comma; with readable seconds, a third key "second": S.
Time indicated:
{"hour": 9, "minute": 58}
